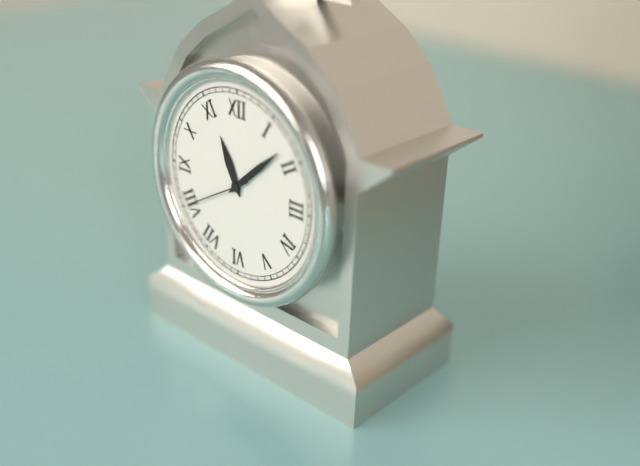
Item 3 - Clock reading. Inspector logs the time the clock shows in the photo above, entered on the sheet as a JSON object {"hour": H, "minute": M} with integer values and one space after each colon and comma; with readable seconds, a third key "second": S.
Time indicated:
{"hour": 11, "minute": 8, "second": 40}
